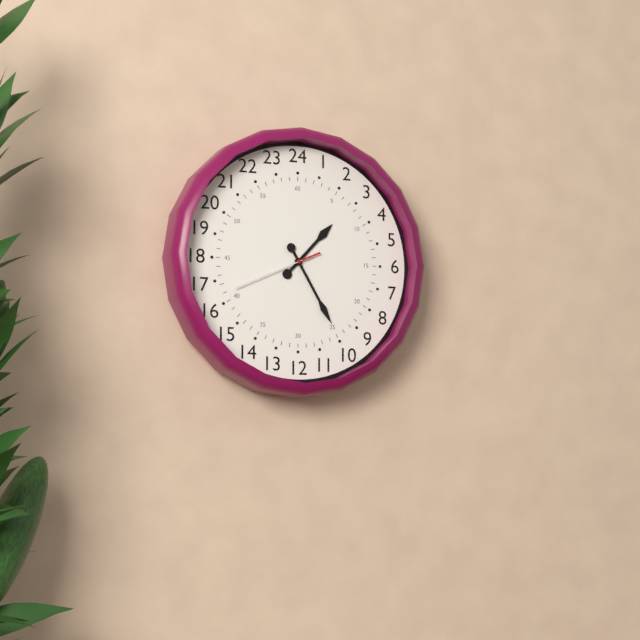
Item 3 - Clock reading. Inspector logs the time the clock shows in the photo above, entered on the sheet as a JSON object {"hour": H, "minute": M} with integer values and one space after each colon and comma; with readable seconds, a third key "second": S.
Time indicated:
{"hour": 1, "minute": 25, "second": 41}
